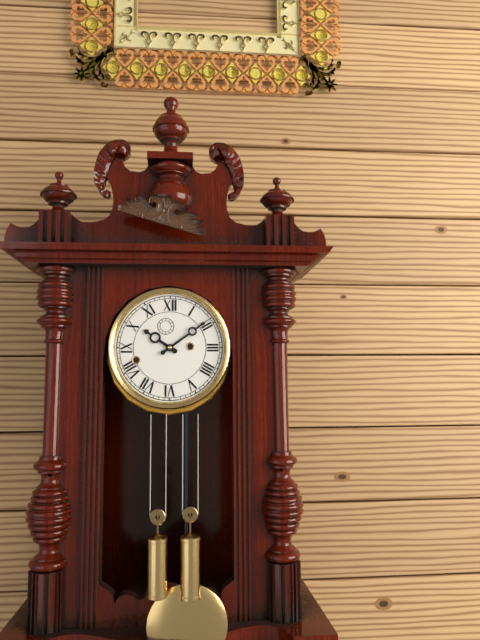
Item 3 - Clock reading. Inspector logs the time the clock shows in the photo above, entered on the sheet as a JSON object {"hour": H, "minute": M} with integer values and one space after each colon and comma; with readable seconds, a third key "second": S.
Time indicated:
{"hour": 10, "minute": 9}
